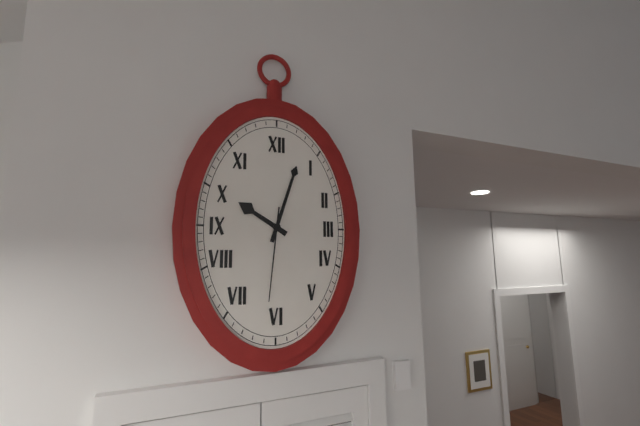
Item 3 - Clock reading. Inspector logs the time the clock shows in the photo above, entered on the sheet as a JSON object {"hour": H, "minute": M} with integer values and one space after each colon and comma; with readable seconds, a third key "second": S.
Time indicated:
{"hour": 10, "minute": 3, "second": 31}
